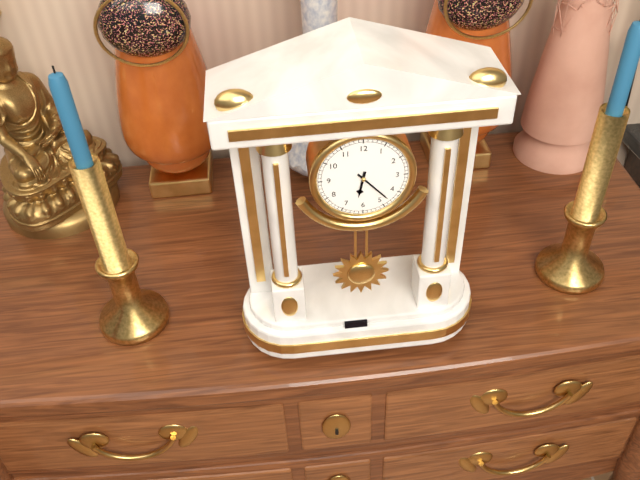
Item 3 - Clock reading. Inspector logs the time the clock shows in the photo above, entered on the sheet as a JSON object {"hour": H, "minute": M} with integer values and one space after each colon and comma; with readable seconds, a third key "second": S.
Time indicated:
{"hour": 6, "minute": 23}
